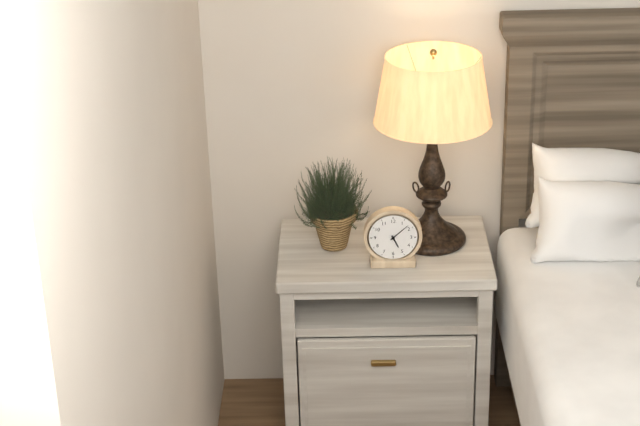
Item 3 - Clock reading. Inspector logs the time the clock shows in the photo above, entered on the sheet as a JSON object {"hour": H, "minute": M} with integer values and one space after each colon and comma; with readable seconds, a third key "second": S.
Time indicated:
{"hour": 5, "minute": 8}
